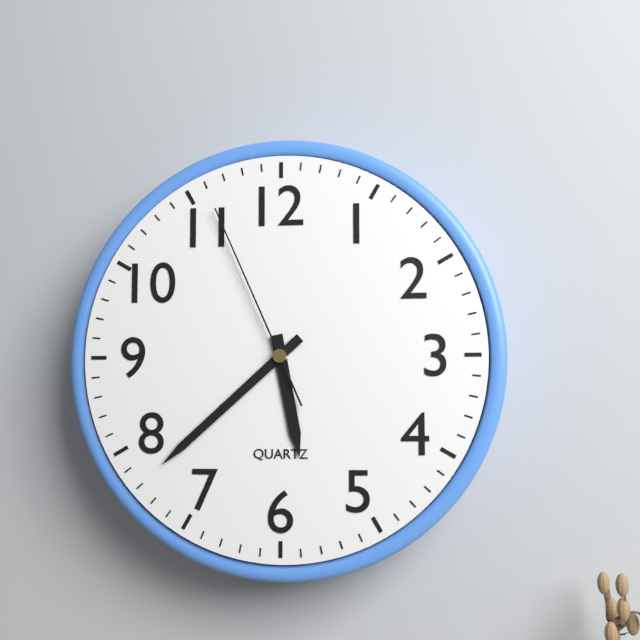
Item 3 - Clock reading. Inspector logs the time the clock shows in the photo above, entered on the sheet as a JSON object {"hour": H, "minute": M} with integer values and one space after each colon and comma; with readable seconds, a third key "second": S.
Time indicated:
{"hour": 5, "minute": 38, "second": 56}
